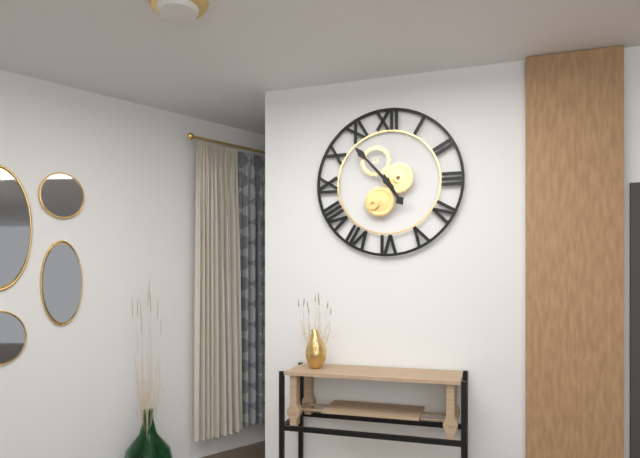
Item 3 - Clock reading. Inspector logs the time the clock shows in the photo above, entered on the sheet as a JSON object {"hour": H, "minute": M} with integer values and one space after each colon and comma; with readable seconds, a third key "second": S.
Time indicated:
{"hour": 4, "minute": 53}
